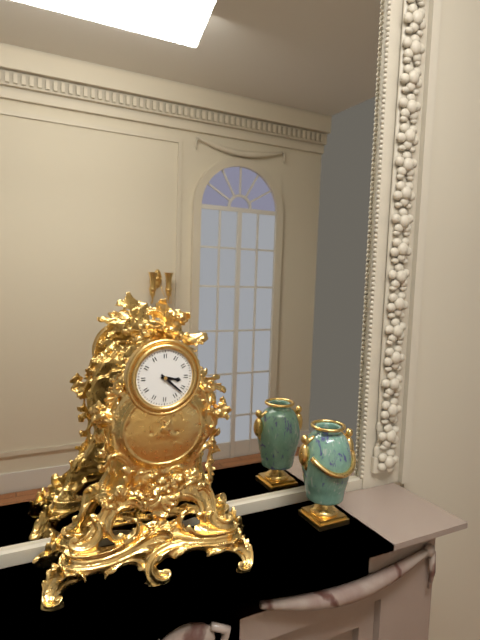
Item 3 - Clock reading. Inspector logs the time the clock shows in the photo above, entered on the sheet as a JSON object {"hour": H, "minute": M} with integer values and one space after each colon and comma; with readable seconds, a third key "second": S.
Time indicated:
{"hour": 3, "minute": 22}
